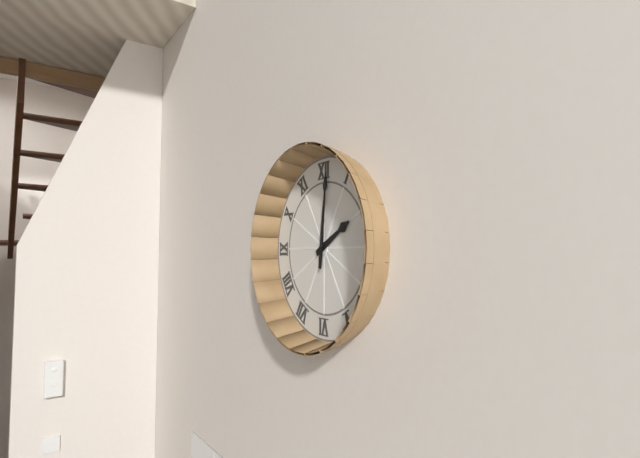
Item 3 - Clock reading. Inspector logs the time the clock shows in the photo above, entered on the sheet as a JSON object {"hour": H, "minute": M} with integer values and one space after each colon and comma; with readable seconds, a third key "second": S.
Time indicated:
{"hour": 2, "minute": 1}
